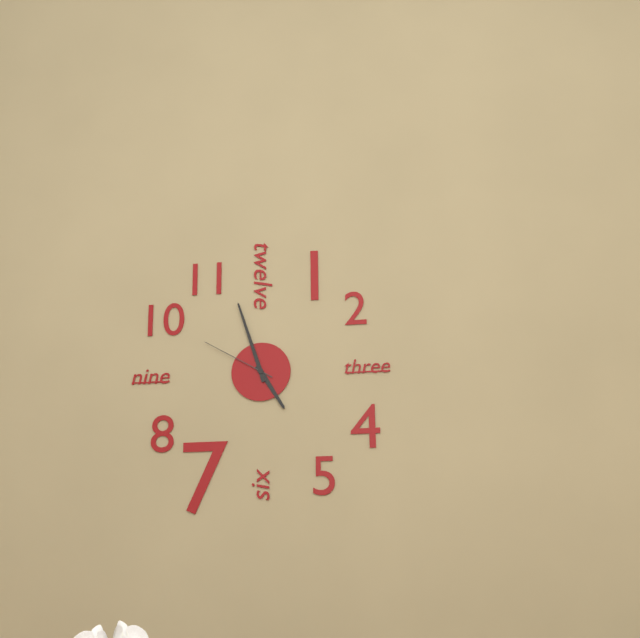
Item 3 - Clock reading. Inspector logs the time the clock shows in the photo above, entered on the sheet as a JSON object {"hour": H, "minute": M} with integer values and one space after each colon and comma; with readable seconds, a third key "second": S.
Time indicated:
{"hour": 4, "minute": 57, "second": 50}
